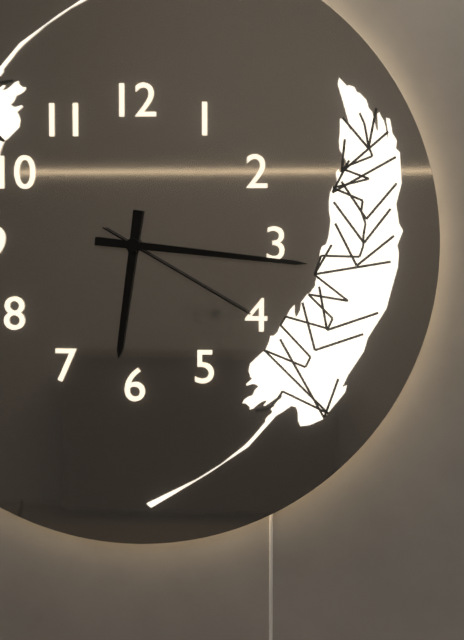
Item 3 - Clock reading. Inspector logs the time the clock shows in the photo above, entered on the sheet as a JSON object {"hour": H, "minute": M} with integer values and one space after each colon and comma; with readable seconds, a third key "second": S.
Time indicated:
{"hour": 6, "minute": 16, "second": 20}
